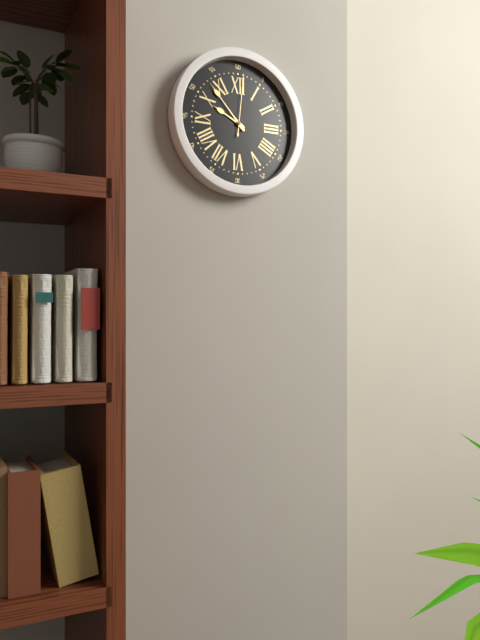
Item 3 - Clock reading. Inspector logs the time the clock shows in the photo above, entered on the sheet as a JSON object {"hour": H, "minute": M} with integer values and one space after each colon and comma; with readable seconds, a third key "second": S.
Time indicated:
{"hour": 9, "minute": 53, "second": 1}
